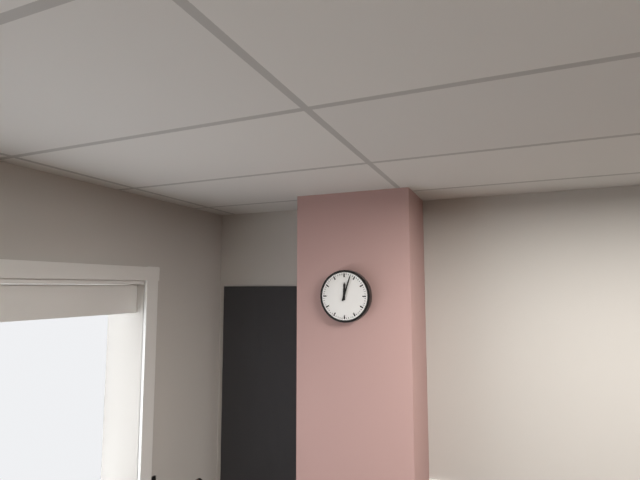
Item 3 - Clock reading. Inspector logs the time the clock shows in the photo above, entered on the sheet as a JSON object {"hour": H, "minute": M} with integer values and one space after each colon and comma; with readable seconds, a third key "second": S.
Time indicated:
{"hour": 12, "minute": 3}
